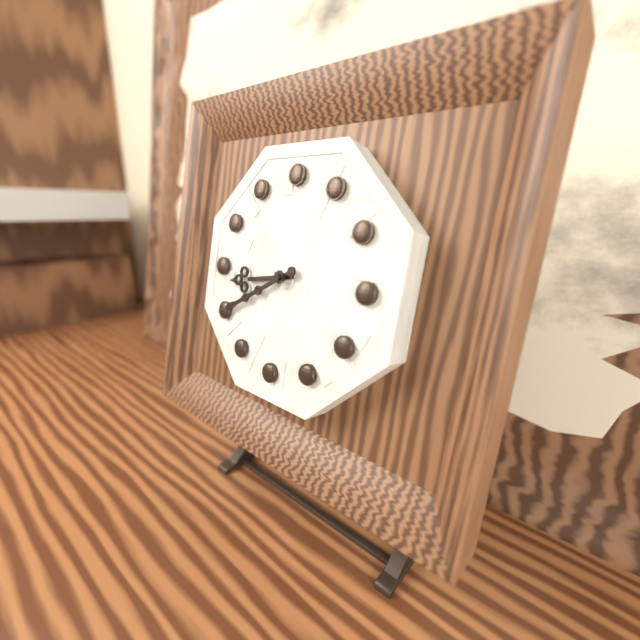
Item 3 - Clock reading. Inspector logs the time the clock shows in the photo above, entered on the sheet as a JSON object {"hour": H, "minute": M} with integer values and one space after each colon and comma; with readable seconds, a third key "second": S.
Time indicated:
{"hour": 8, "minute": 40}
